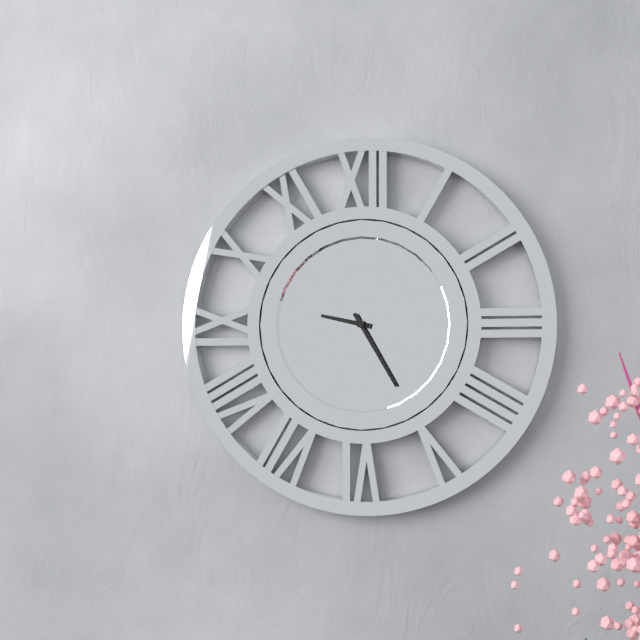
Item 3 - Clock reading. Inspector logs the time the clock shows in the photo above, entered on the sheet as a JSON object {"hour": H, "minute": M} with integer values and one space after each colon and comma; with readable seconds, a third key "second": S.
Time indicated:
{"hour": 9, "minute": 25}
